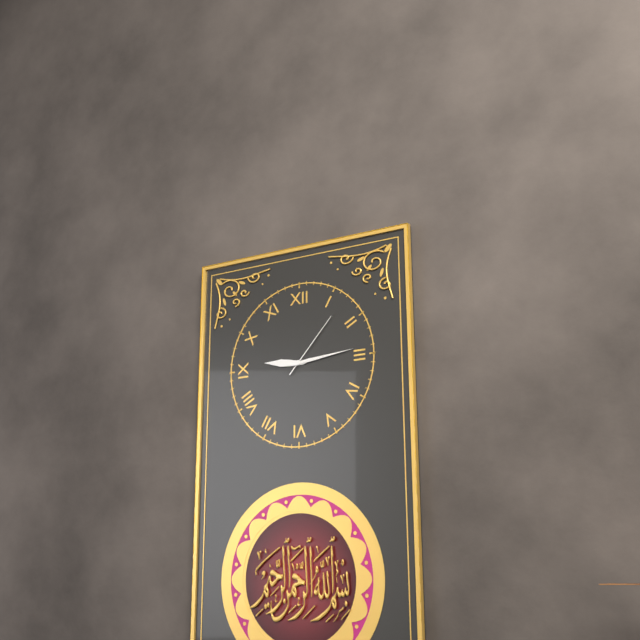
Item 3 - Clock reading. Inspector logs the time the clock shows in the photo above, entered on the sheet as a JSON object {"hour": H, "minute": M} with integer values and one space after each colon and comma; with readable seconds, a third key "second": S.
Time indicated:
{"hour": 9, "minute": 14, "second": 7}
